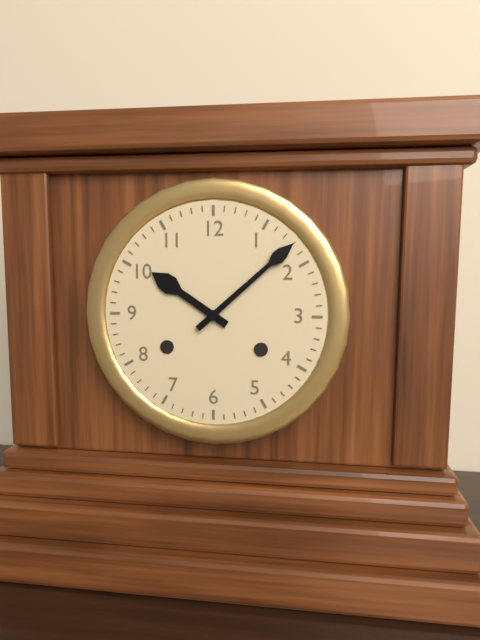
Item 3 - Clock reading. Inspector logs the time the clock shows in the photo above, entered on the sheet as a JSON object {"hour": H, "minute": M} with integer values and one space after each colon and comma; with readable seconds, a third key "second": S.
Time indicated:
{"hour": 10, "minute": 8}
